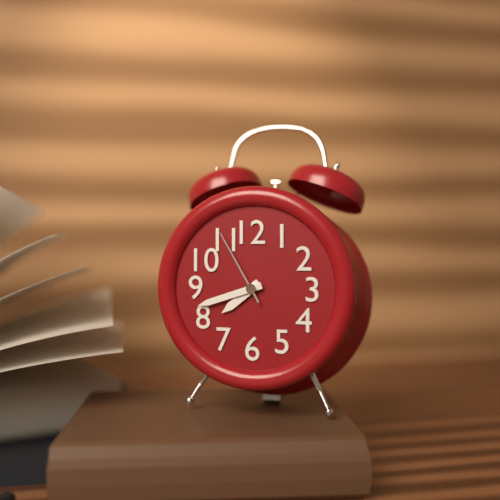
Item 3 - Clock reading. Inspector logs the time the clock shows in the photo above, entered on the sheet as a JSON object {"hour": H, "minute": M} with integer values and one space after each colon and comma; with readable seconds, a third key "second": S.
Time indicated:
{"hour": 7, "minute": 42, "second": 55}
